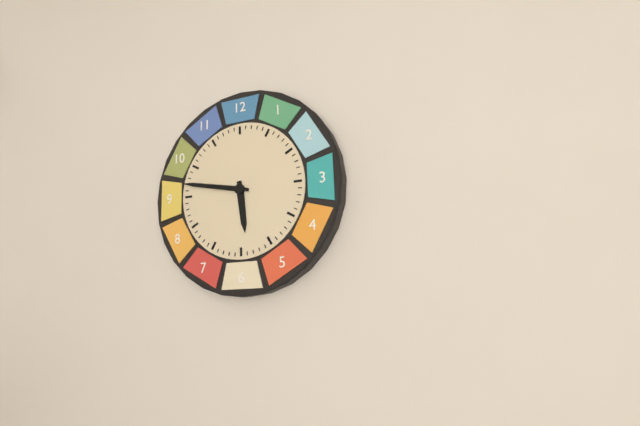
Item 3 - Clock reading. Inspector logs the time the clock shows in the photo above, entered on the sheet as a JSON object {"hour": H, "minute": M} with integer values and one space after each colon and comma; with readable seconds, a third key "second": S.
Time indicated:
{"hour": 5, "minute": 47}
